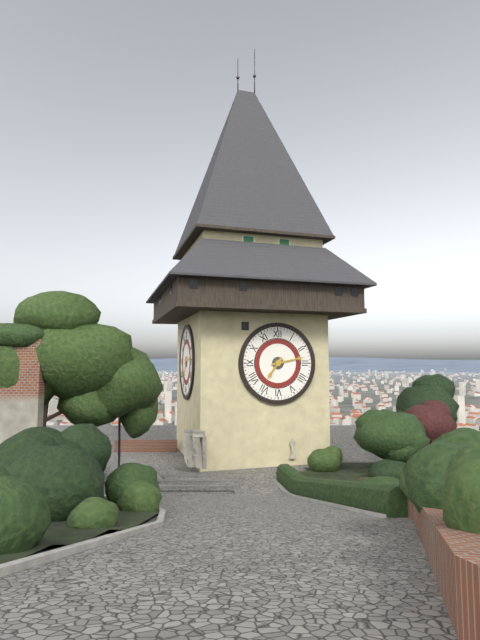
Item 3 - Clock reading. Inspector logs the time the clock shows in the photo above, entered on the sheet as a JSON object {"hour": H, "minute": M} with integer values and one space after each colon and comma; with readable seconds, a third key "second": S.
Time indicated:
{"hour": 7, "minute": 13}
